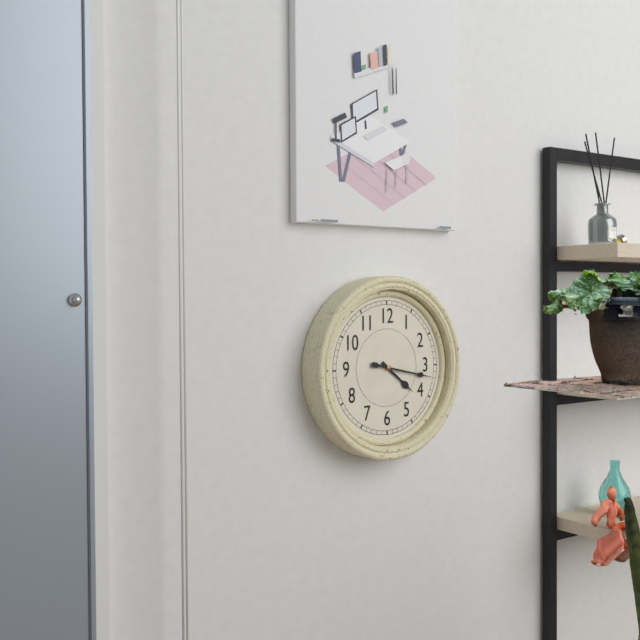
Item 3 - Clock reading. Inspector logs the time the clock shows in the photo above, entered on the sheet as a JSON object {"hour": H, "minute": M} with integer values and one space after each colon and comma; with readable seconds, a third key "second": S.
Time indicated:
{"hour": 4, "minute": 17}
